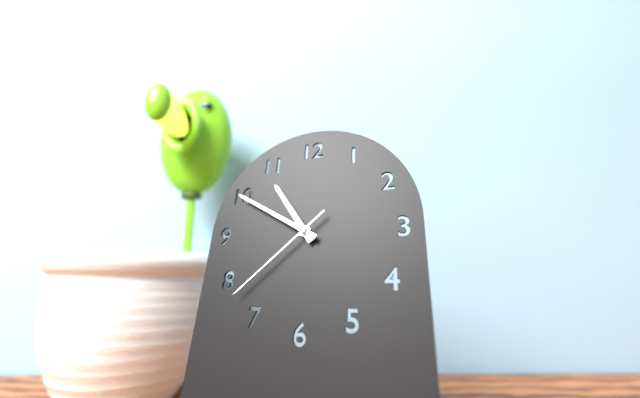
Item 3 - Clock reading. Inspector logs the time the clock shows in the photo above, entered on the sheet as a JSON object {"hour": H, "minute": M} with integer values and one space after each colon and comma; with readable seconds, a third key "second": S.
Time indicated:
{"hour": 10, "minute": 50, "second": 38}
